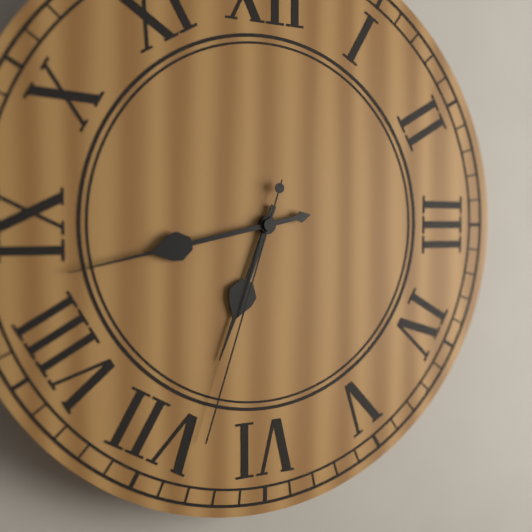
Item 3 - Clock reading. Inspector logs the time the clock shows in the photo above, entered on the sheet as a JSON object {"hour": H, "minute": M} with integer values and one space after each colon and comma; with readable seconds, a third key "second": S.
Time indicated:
{"hour": 6, "minute": 43, "second": 33}
